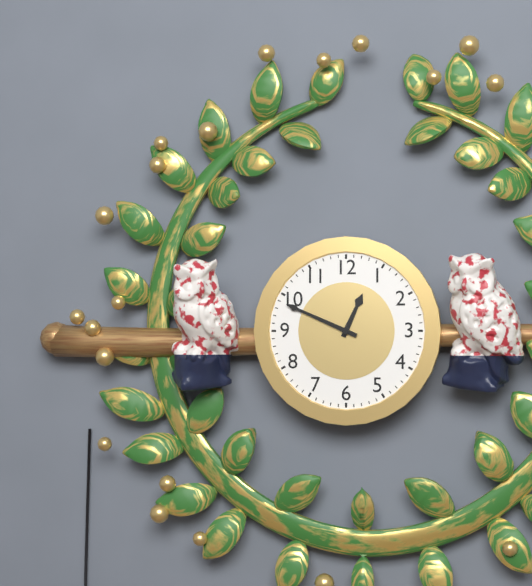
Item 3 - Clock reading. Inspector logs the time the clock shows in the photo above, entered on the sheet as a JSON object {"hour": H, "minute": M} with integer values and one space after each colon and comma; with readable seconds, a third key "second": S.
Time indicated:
{"hour": 12, "minute": 49}
